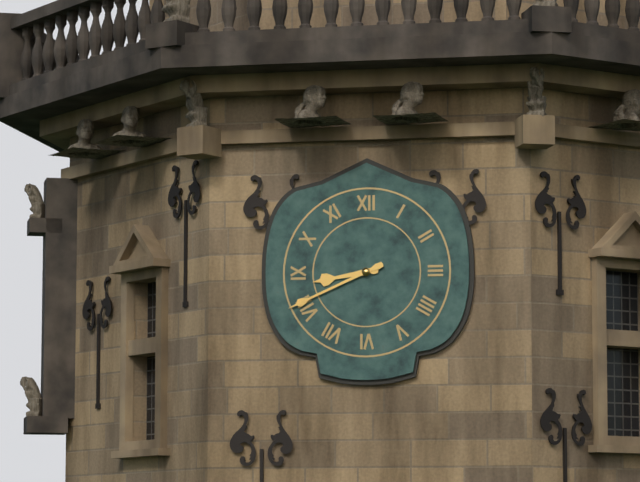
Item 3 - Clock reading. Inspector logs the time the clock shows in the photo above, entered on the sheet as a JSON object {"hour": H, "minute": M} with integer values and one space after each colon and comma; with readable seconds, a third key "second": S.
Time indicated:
{"hour": 8, "minute": 41}
